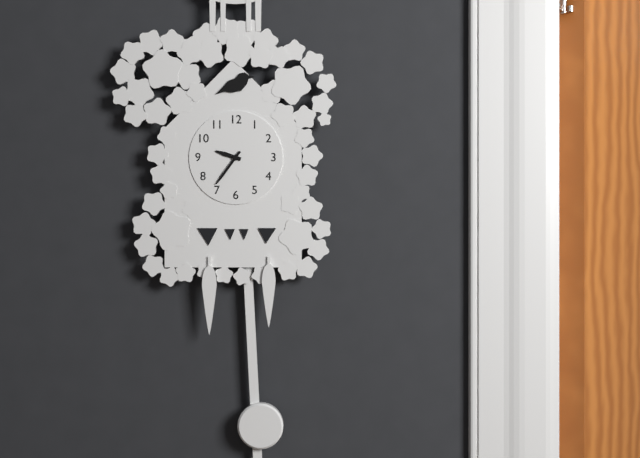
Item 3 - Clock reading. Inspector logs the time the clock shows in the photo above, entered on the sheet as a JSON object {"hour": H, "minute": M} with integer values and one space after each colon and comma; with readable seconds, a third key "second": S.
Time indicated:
{"hour": 9, "minute": 36}
